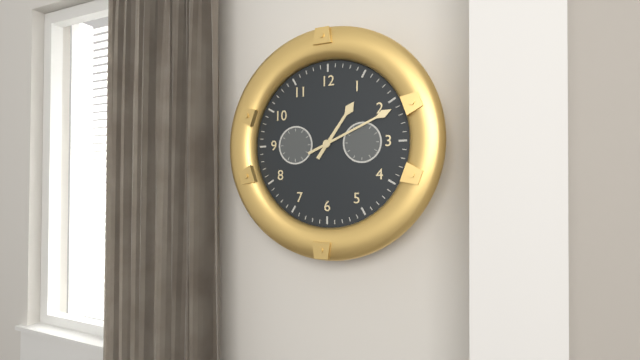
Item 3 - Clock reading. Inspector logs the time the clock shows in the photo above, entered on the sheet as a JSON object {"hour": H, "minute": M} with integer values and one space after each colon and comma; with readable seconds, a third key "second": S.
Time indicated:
{"hour": 1, "minute": 11}
